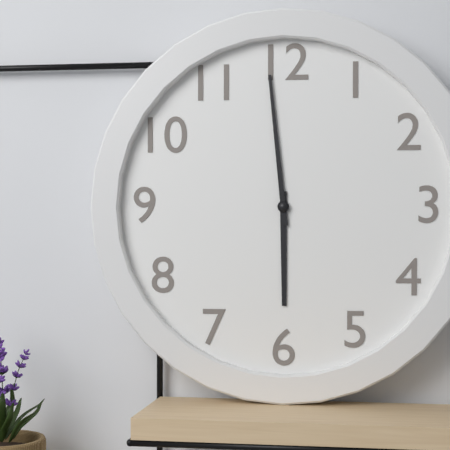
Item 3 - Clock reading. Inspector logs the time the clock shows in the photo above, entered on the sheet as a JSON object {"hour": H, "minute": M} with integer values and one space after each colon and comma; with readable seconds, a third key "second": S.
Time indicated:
{"hour": 5, "minute": 59}
